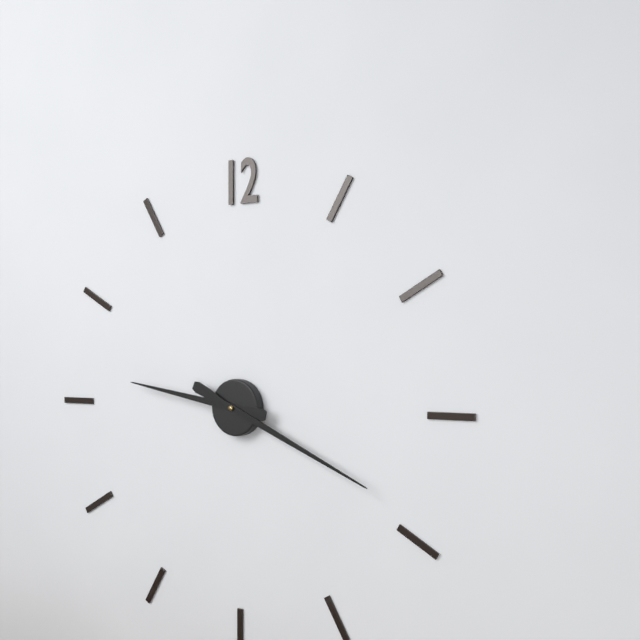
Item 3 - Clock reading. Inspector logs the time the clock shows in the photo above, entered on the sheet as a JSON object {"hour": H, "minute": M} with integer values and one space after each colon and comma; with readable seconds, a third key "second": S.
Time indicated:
{"hour": 9, "minute": 19}
